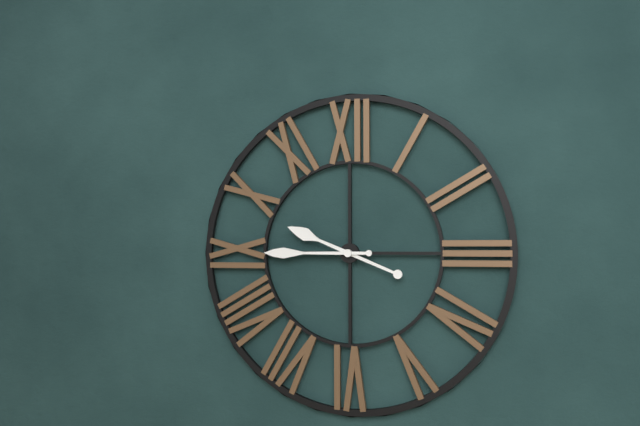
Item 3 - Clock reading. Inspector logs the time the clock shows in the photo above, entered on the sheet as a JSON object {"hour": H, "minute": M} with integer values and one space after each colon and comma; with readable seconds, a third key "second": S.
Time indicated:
{"hour": 9, "minute": 45}
